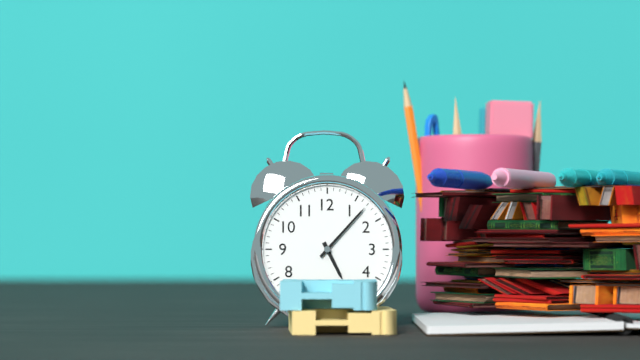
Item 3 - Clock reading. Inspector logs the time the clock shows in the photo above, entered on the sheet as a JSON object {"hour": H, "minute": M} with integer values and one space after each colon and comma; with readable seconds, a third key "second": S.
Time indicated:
{"hour": 5, "minute": 7}
